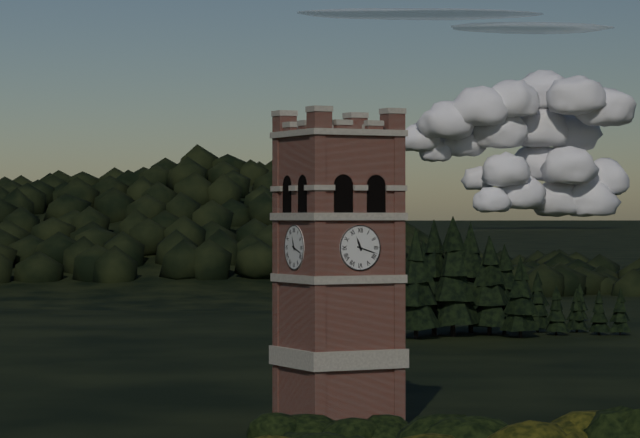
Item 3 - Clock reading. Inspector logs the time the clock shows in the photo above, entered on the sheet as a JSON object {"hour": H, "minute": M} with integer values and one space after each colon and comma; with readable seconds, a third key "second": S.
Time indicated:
{"hour": 11, "minute": 18}
